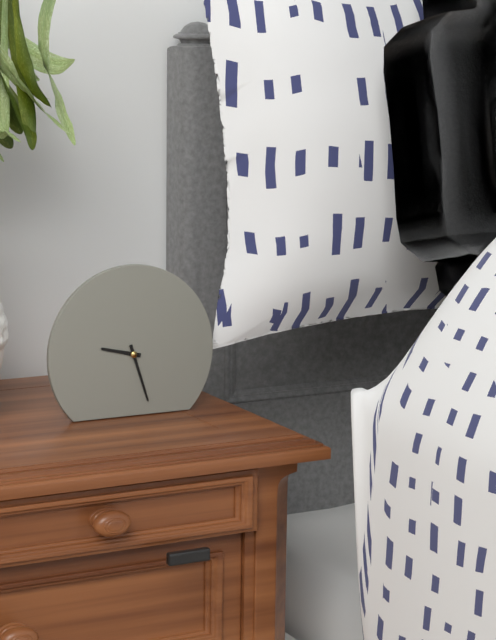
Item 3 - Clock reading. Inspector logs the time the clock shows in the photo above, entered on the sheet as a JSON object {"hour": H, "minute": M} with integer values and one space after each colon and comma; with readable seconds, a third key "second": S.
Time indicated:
{"hour": 9, "minute": 27}
